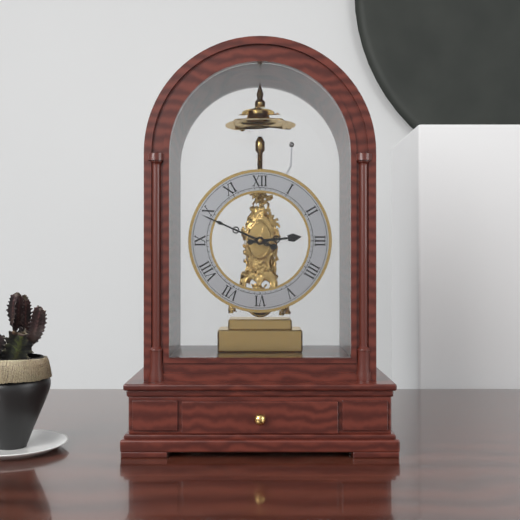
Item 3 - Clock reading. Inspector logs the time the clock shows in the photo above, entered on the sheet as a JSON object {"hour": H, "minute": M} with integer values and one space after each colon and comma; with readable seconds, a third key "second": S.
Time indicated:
{"hour": 2, "minute": 49}
